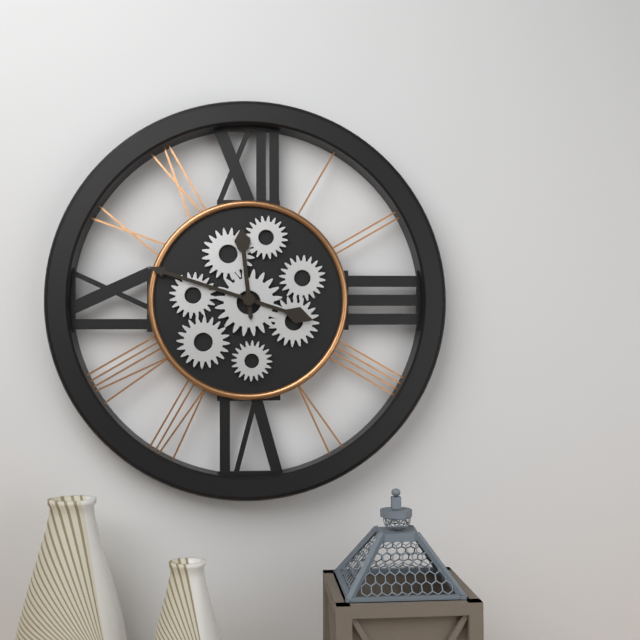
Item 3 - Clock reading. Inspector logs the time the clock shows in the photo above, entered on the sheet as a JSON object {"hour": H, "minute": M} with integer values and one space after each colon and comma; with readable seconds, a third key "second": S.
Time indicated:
{"hour": 11, "minute": 48}
